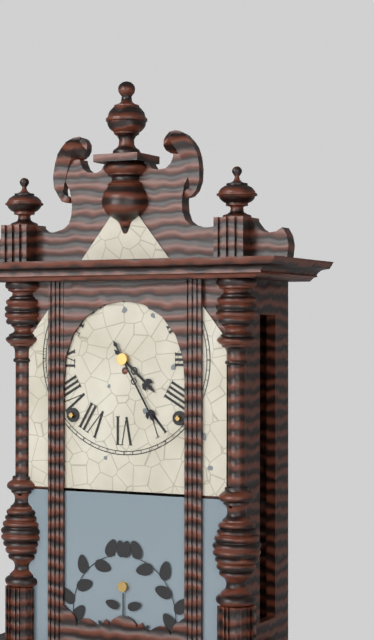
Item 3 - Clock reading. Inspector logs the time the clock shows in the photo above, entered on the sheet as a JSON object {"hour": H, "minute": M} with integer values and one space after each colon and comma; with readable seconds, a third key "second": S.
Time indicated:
{"hour": 4, "minute": 25}
